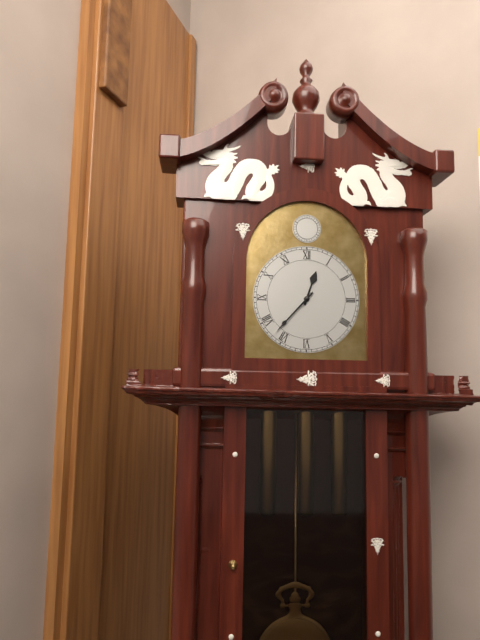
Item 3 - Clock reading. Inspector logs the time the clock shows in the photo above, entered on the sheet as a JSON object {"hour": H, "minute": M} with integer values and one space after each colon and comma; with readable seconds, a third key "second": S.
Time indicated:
{"hour": 12, "minute": 37}
